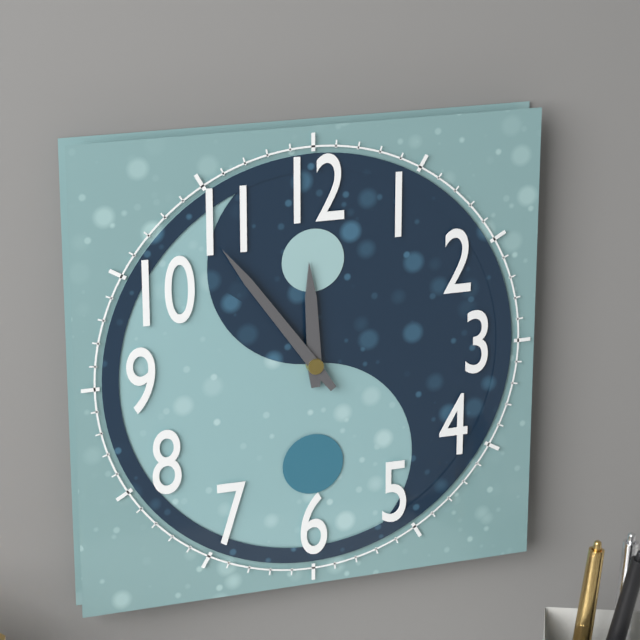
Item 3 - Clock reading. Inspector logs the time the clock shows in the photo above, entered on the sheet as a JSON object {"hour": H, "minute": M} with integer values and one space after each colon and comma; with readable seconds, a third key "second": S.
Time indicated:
{"hour": 11, "minute": 54}
